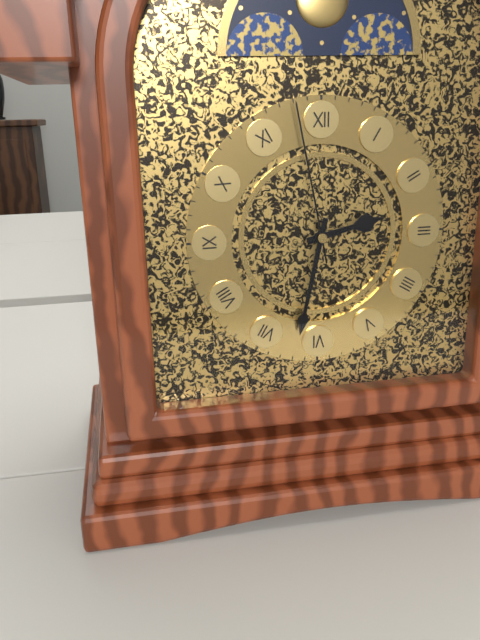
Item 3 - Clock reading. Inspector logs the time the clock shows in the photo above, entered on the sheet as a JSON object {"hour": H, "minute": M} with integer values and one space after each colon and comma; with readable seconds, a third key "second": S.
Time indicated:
{"hour": 2, "minute": 32, "second": 58}
